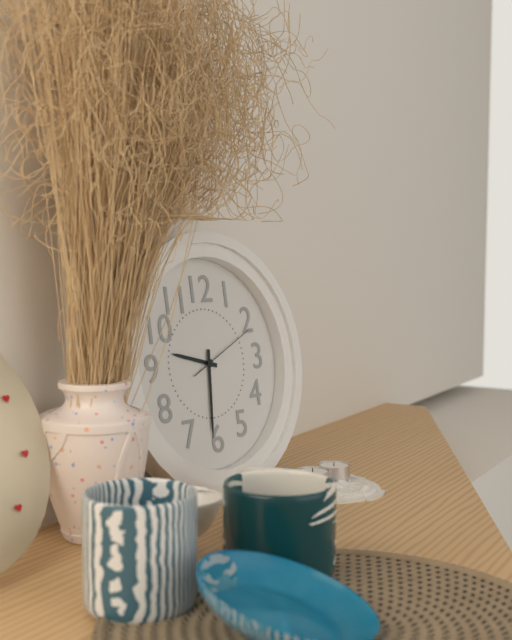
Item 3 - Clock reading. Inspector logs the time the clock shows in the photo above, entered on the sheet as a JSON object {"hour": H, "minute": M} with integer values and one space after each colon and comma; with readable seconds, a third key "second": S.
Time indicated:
{"hour": 9, "minute": 31, "second": 11}
